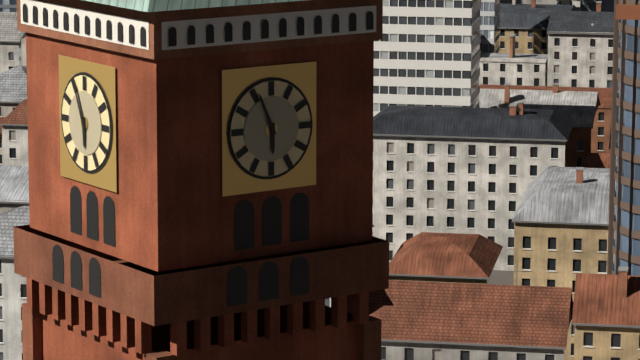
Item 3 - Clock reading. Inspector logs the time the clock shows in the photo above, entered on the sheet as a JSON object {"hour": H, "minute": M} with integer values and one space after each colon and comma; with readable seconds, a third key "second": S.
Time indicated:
{"hour": 5, "minute": 56}
